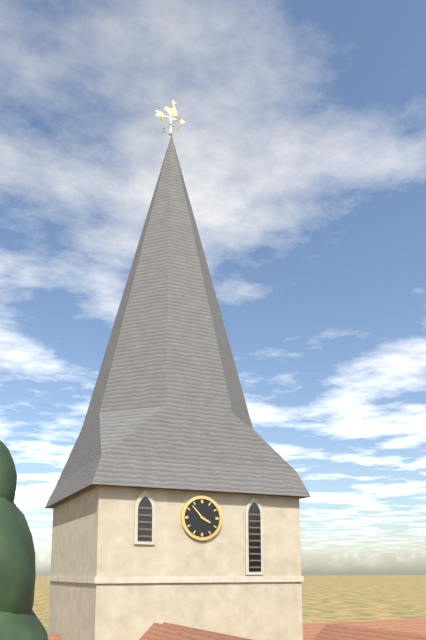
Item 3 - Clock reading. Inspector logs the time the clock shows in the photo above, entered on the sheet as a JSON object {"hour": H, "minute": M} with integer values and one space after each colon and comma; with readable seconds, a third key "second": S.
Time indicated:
{"hour": 3, "minute": 53}
